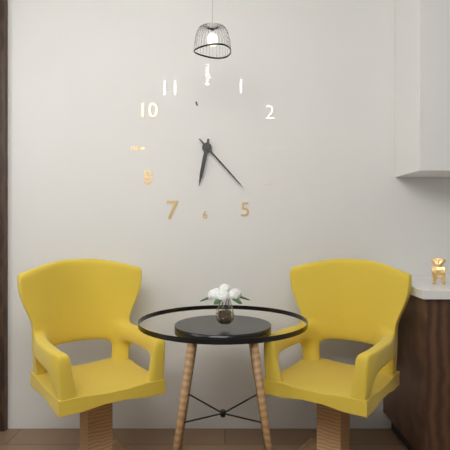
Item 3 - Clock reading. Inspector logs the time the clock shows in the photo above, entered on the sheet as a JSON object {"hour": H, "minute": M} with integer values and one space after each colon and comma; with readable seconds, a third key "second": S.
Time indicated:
{"hour": 6, "minute": 23}
